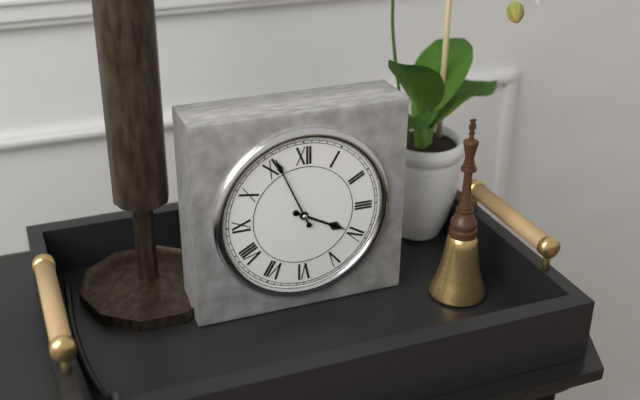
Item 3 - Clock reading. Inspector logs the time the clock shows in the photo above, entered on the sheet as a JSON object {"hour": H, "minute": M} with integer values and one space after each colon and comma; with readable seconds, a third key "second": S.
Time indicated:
{"hour": 3, "minute": 56}
